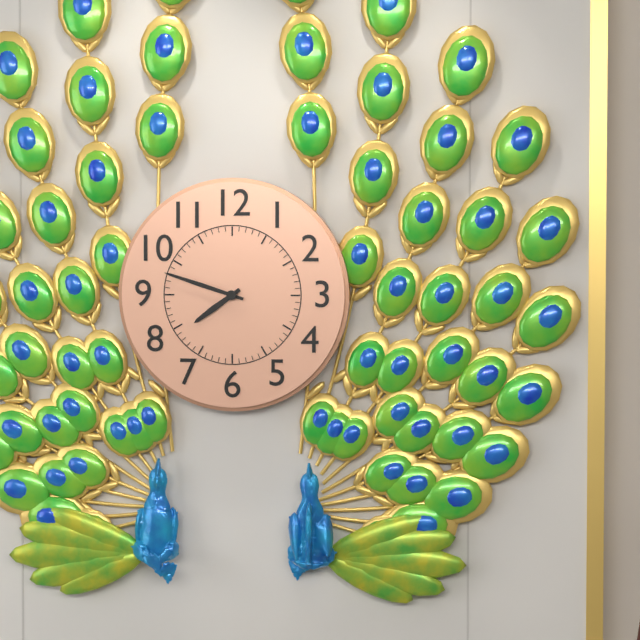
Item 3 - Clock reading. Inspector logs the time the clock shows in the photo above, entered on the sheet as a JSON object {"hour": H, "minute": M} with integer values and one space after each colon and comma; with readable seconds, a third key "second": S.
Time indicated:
{"hour": 7, "minute": 48}
